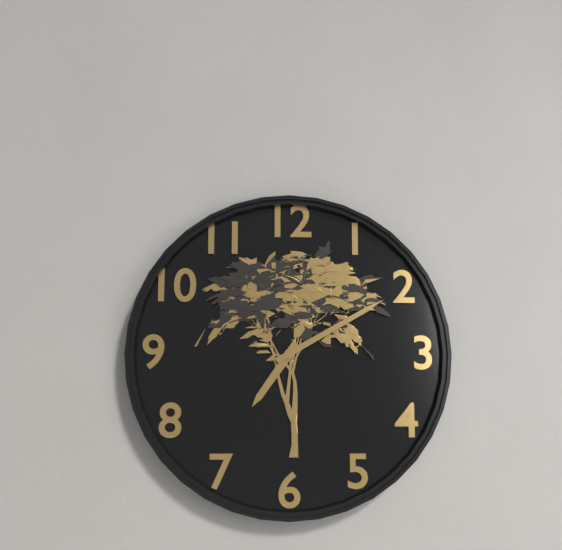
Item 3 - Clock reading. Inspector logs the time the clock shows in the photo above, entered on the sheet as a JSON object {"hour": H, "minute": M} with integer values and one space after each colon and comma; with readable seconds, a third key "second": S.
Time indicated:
{"hour": 7, "minute": 10}
